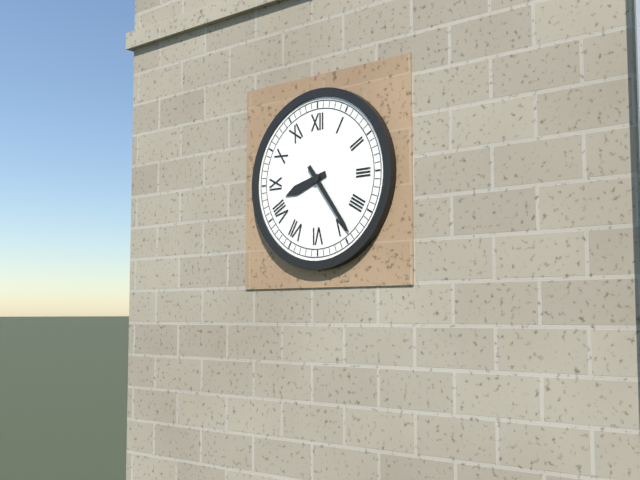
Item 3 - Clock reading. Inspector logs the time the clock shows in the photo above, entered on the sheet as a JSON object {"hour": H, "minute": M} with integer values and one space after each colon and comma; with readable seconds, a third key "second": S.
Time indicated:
{"hour": 8, "minute": 24}
